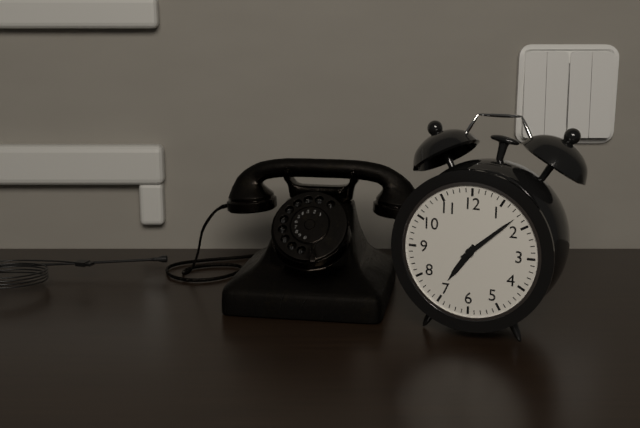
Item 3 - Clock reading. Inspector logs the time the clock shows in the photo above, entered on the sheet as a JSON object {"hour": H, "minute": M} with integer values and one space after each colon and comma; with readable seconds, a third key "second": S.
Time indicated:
{"hour": 7, "minute": 8}
